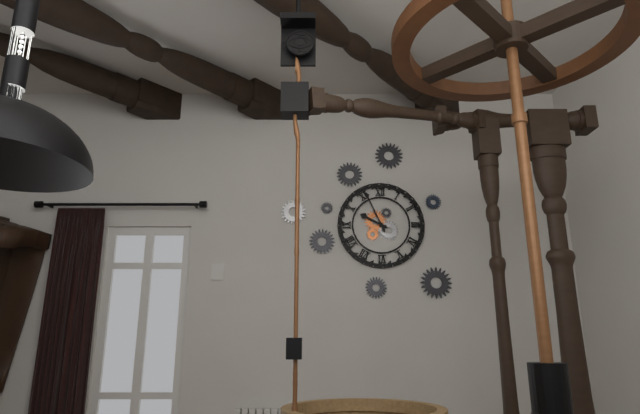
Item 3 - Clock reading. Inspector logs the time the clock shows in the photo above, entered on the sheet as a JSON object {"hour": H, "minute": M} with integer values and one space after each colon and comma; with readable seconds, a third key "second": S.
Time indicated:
{"hour": 9, "minute": 56}
